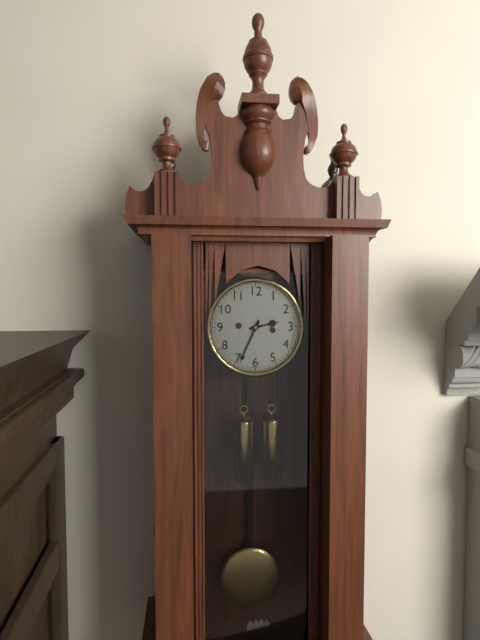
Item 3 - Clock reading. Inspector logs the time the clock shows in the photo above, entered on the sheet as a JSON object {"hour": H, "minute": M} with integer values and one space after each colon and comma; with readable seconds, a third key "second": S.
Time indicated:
{"hour": 2, "minute": 34}
